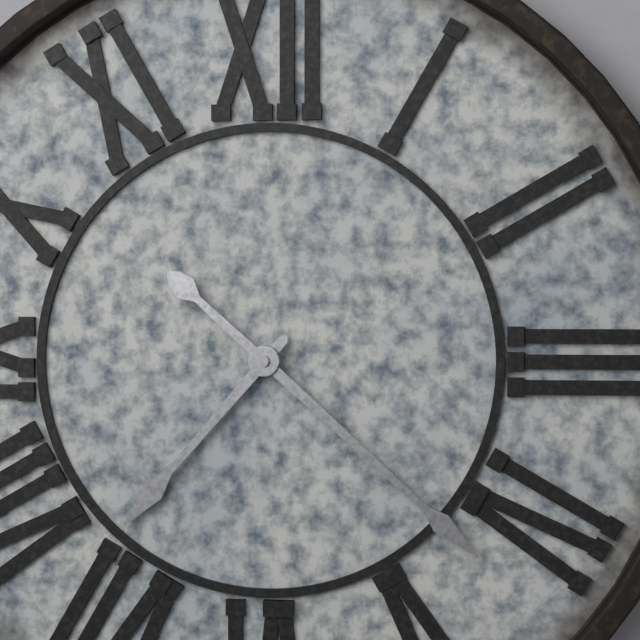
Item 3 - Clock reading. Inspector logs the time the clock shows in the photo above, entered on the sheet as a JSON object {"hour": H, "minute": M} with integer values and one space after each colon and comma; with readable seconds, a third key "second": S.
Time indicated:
{"hour": 7, "minute": 22}
